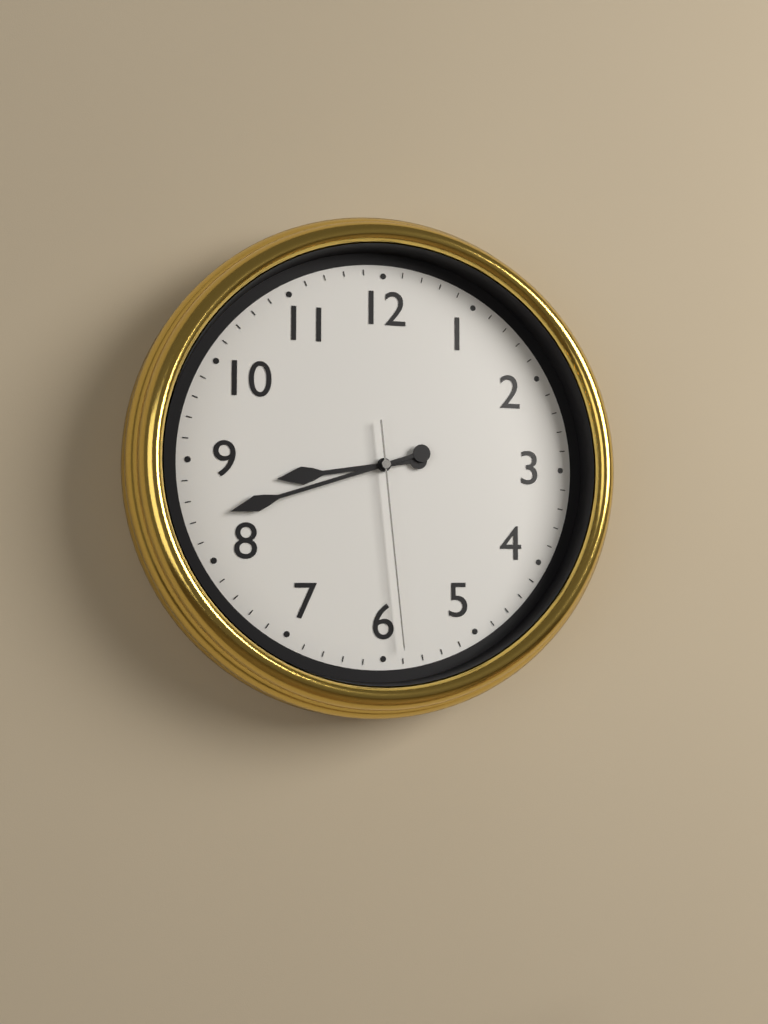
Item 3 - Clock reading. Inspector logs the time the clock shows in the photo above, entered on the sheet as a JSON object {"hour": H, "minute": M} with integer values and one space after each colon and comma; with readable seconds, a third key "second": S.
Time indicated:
{"hour": 8, "minute": 42, "second": 29}
